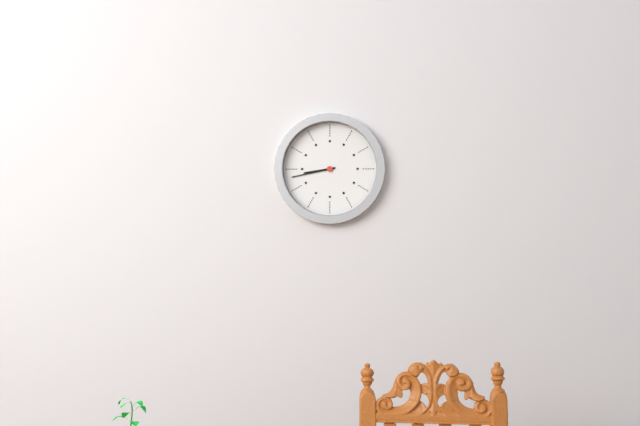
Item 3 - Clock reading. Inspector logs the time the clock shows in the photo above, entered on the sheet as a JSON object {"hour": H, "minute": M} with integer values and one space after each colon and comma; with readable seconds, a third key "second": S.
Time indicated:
{"hour": 8, "minute": 43}
